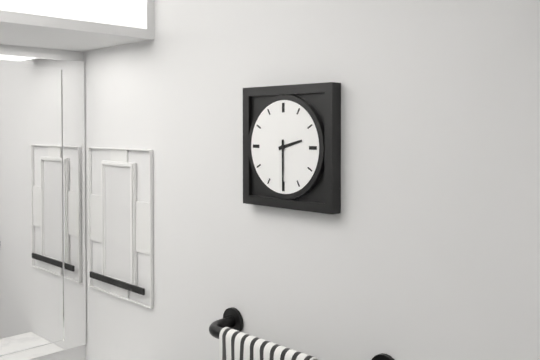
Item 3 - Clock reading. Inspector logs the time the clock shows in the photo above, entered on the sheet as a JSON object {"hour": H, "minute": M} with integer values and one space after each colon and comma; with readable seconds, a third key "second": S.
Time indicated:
{"hour": 2, "minute": 30}
